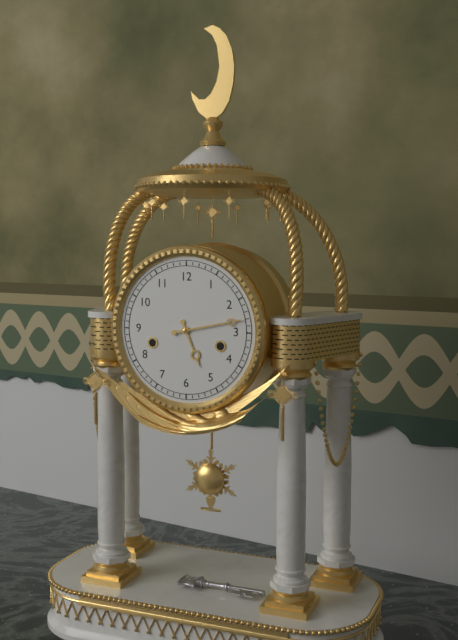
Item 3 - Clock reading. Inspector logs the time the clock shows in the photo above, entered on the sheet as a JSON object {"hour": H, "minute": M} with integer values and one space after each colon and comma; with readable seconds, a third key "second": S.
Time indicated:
{"hour": 5, "minute": 13}
